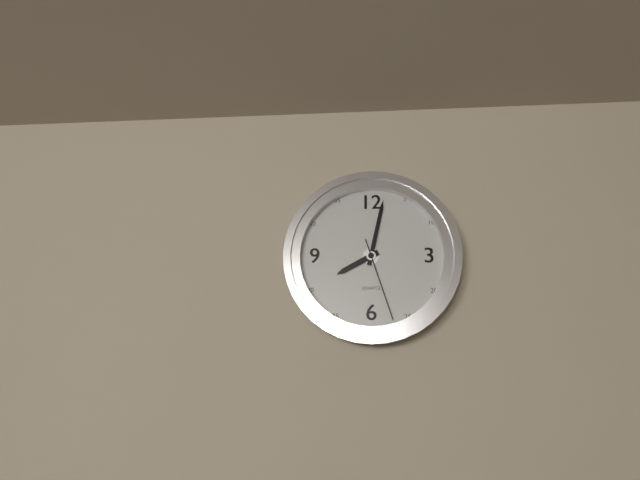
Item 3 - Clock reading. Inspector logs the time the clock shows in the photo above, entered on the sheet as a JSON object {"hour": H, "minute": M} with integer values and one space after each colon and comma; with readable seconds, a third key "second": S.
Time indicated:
{"hour": 8, "minute": 2, "second": 27}
